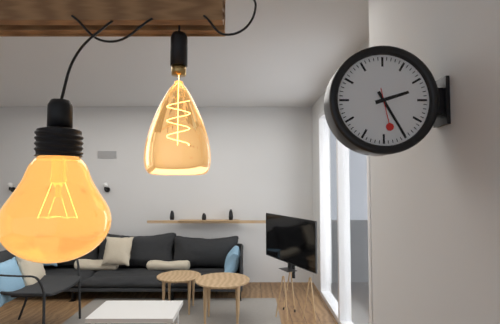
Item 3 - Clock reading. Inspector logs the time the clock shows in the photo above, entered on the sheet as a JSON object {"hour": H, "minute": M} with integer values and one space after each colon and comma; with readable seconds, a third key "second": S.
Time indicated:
{"hour": 2, "minute": 25}
